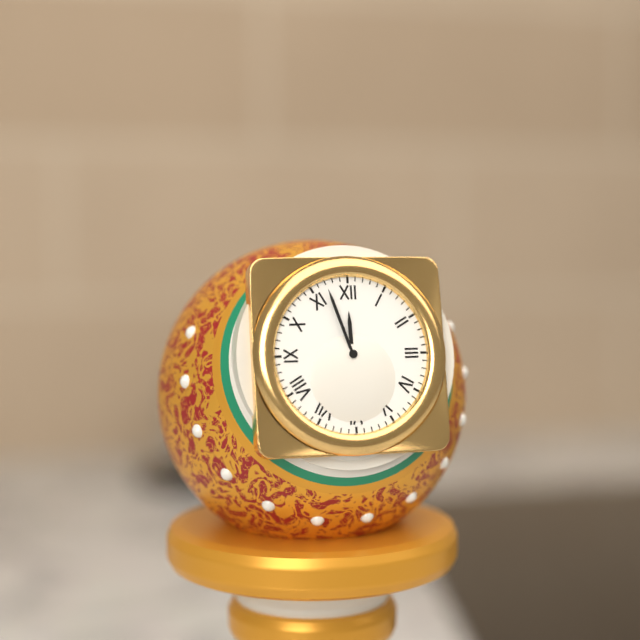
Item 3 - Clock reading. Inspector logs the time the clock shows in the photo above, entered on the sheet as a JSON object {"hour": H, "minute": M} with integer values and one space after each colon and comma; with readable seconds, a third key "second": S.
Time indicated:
{"hour": 11, "minute": 57}
